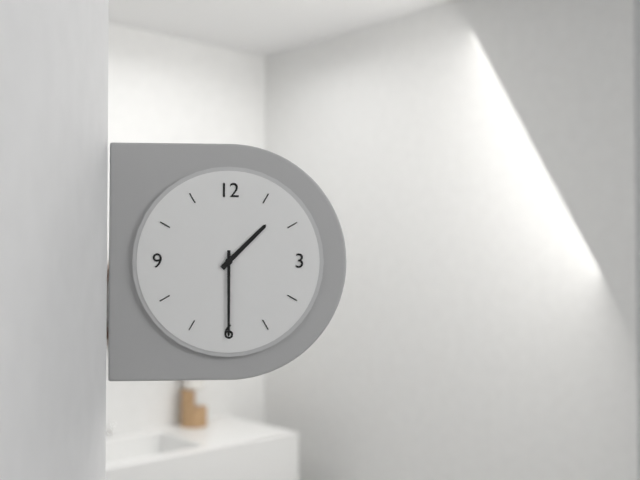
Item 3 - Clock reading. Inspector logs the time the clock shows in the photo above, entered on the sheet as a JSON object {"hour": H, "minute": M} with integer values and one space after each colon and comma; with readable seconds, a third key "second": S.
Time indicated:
{"hour": 1, "minute": 30}
